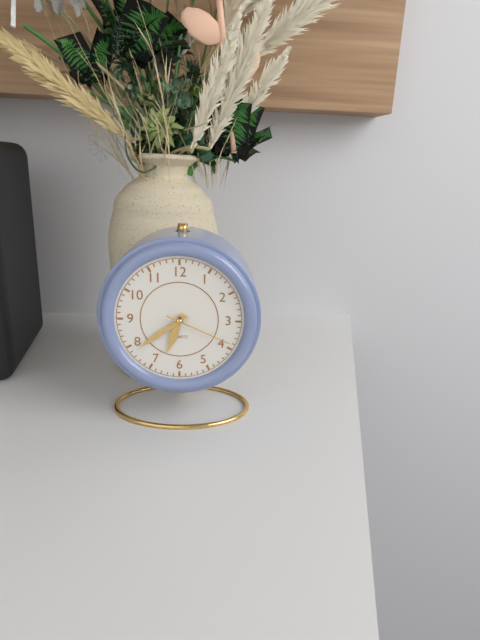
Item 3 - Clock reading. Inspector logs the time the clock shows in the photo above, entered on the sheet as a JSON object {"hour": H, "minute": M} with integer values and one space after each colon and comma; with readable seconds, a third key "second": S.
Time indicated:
{"hour": 6, "minute": 39, "second": 19}
